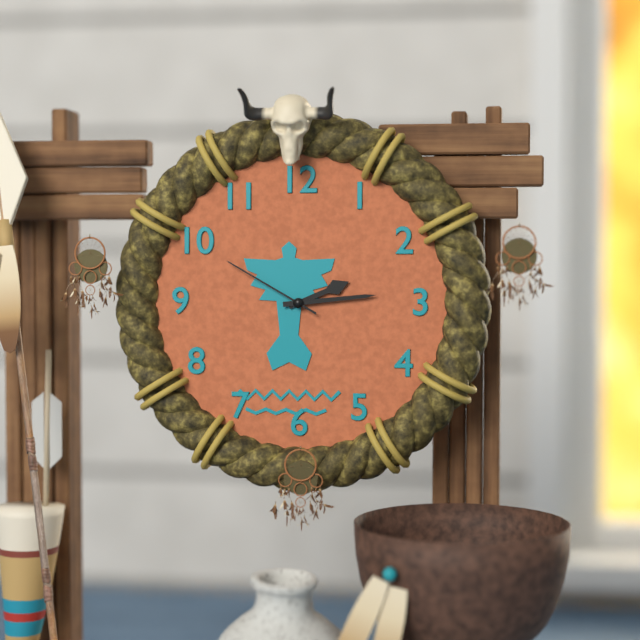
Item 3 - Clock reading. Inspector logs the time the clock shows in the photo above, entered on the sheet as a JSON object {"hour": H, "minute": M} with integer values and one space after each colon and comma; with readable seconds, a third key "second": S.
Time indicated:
{"hour": 2, "minute": 14, "second": 50}
